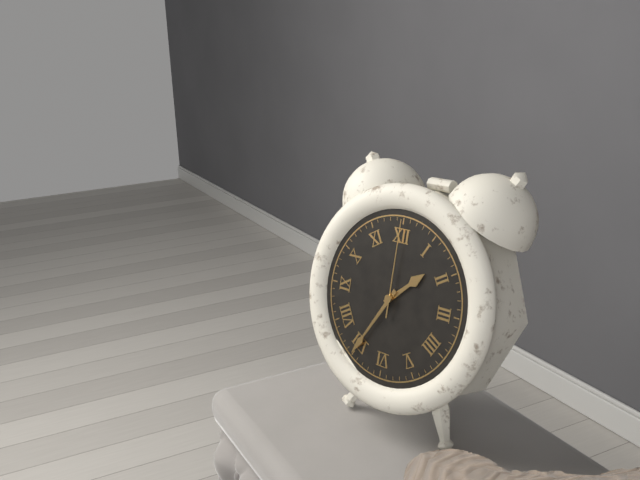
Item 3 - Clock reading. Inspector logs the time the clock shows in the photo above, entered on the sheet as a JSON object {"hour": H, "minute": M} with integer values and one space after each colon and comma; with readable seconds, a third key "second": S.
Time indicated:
{"hour": 1, "minute": 35, "second": 0}
